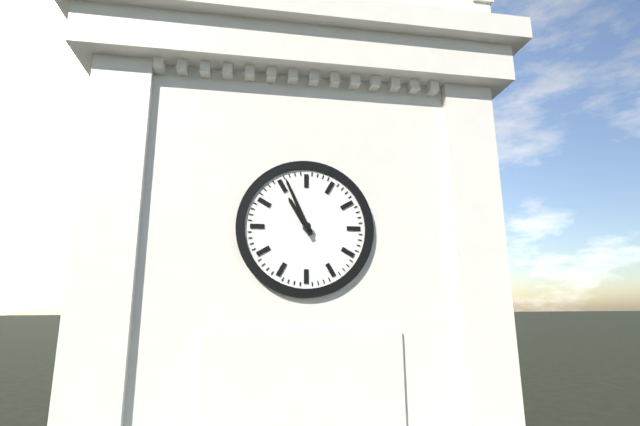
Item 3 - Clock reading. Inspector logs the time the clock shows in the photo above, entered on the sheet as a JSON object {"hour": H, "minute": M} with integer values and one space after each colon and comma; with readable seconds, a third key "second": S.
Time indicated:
{"hour": 10, "minute": 56}
